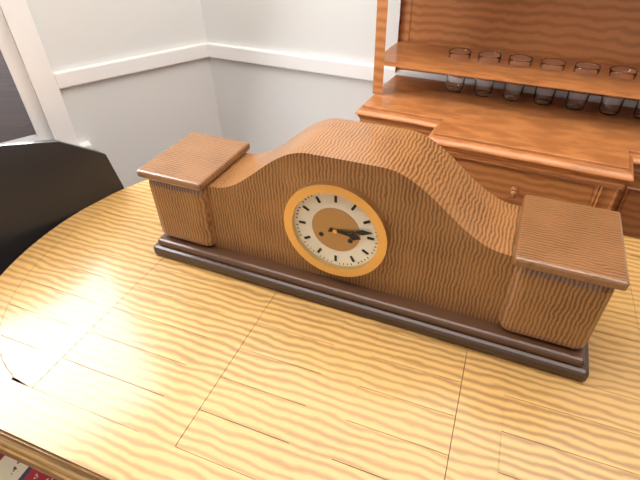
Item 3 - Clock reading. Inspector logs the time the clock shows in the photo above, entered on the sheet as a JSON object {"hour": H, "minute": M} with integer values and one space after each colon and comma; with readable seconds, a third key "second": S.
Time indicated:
{"hour": 3, "minute": 13}
